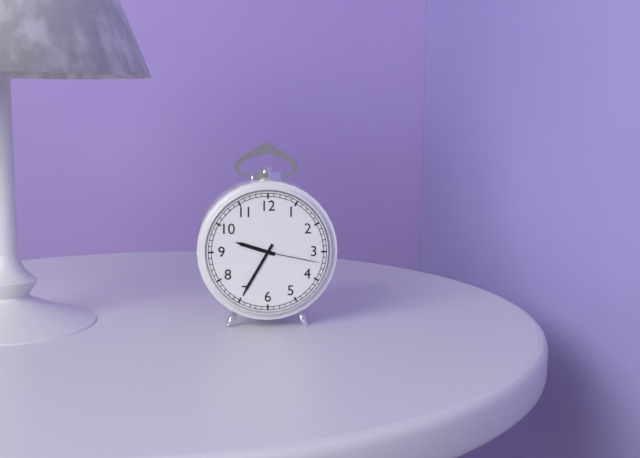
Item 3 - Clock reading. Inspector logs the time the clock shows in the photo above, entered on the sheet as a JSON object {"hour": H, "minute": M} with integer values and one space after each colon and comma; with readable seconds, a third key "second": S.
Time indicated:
{"hour": 9, "minute": 35, "second": 17}
